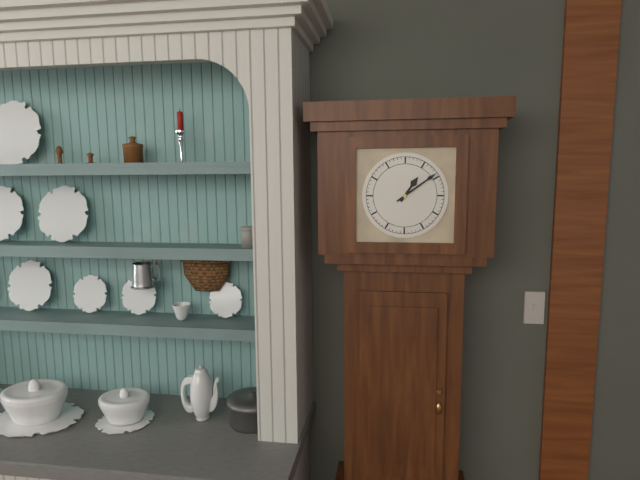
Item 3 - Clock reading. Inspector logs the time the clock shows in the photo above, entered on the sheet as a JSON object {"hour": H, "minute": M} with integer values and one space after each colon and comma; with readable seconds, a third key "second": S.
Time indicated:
{"hour": 1, "minute": 9}
